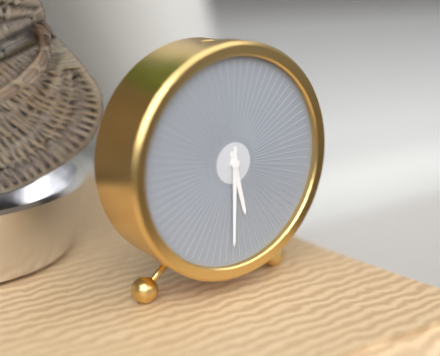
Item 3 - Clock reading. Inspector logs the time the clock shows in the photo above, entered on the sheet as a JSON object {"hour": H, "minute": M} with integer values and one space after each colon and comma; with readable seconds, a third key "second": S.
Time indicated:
{"hour": 5, "minute": 30}
